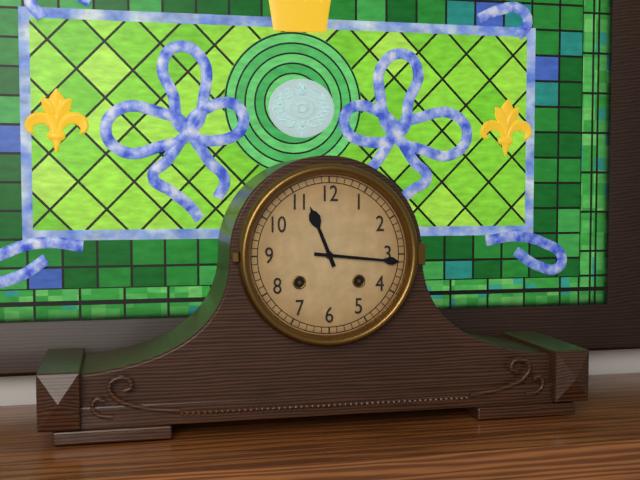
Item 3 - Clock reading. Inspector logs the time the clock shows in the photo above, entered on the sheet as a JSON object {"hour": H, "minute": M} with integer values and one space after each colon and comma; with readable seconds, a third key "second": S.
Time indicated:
{"hour": 11, "minute": 16}
